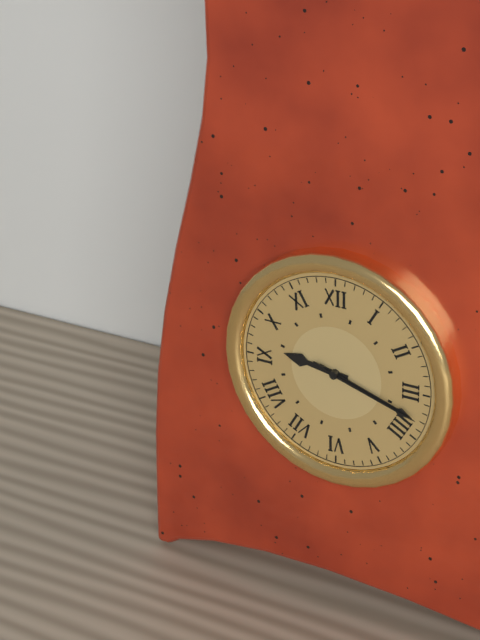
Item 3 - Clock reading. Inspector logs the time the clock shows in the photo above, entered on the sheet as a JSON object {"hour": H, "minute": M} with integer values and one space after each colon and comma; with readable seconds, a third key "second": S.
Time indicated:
{"hour": 9, "minute": 18, "second": 18}
